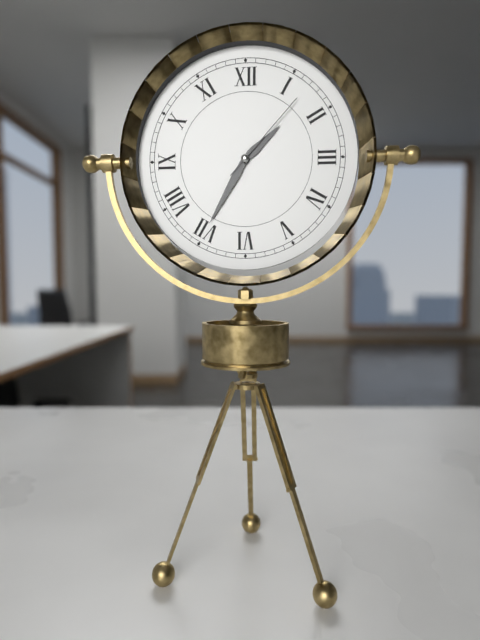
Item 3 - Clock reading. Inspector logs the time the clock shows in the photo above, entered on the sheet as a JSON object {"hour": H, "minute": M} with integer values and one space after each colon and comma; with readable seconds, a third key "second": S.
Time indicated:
{"hour": 1, "minute": 35, "second": 7}
